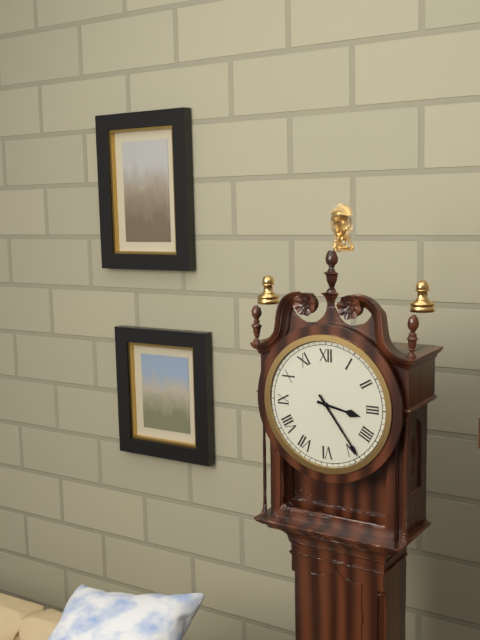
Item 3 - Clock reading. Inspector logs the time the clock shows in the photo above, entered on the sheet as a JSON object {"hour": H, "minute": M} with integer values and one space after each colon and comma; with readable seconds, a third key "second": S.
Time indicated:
{"hour": 3, "minute": 24}
